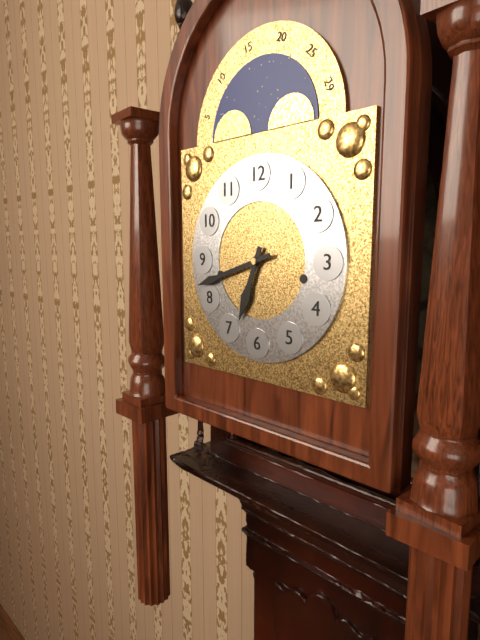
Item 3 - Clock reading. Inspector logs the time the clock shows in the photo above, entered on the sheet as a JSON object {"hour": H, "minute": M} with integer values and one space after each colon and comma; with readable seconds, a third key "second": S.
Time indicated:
{"hour": 6, "minute": 42}
